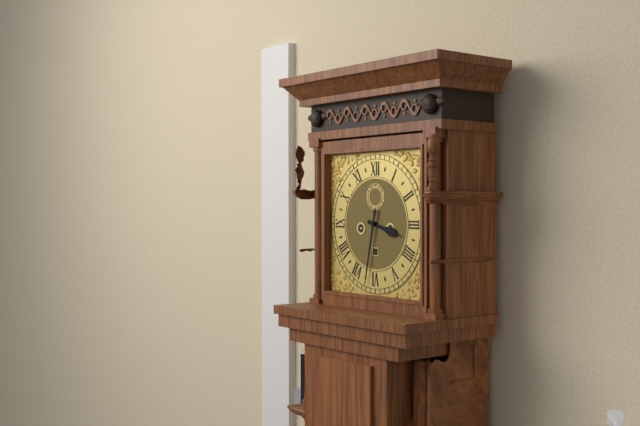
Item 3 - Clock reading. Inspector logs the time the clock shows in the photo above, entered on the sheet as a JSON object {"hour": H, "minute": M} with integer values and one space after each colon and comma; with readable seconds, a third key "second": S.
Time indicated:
{"hour": 3, "minute": 32}
